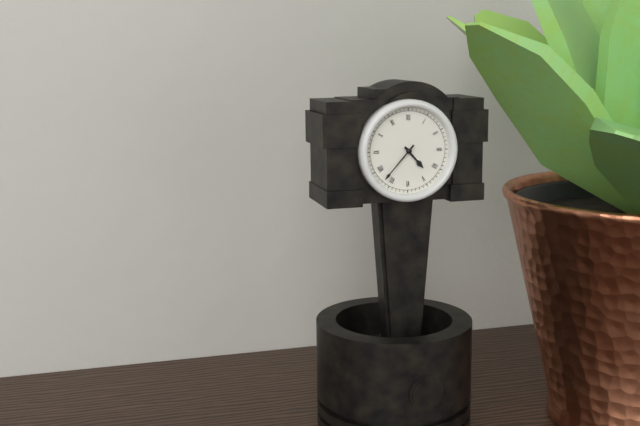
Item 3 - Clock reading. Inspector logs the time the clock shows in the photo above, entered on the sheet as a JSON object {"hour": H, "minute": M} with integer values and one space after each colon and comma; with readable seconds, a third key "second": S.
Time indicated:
{"hour": 4, "minute": 37}
